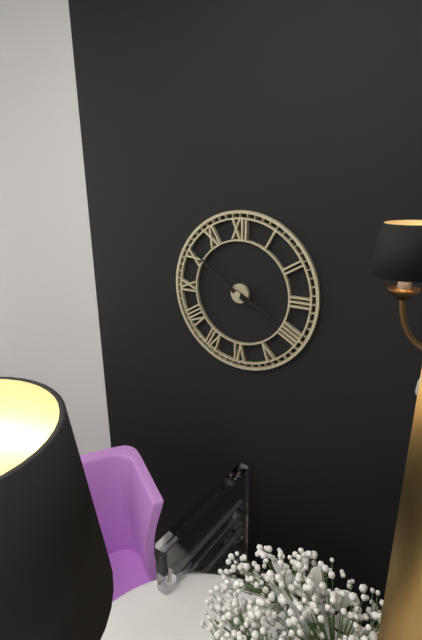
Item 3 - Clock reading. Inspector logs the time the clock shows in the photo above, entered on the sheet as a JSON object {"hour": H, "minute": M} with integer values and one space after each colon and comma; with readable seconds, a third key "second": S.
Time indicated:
{"hour": 3, "minute": 51}
